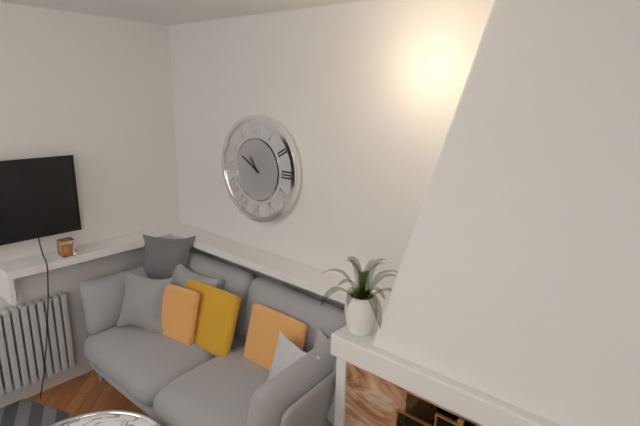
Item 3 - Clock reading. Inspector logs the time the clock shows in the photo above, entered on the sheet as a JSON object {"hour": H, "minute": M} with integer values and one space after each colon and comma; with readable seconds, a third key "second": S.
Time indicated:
{"hour": 10, "minute": 50}
